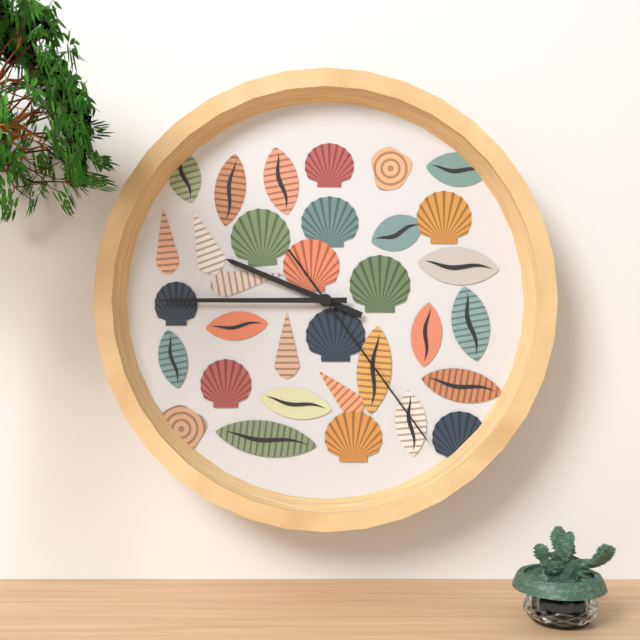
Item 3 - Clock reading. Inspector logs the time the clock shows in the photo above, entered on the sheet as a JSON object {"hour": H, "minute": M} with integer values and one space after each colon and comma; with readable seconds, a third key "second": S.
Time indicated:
{"hour": 9, "minute": 45, "second": 24}
